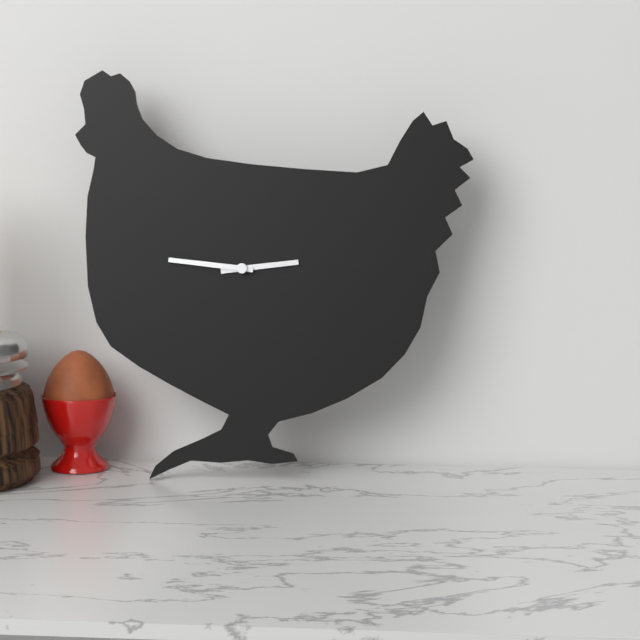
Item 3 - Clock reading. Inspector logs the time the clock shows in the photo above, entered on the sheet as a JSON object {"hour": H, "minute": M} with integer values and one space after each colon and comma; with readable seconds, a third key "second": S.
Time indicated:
{"hour": 2, "minute": 46}
